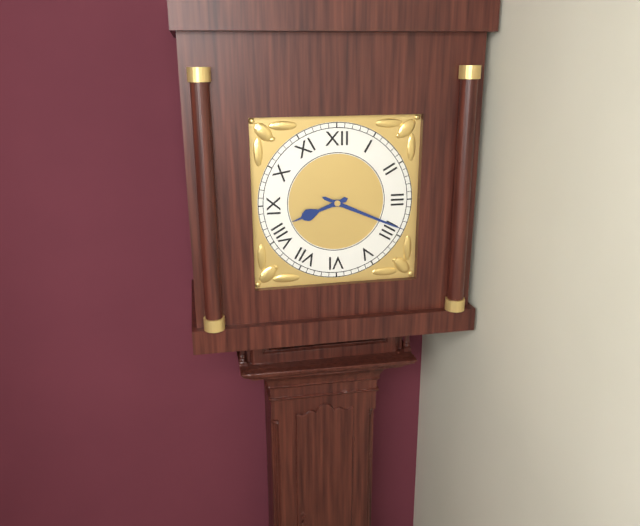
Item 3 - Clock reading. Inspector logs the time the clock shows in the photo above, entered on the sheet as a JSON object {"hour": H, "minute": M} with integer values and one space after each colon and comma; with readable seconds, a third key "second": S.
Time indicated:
{"hour": 8, "minute": 19}
